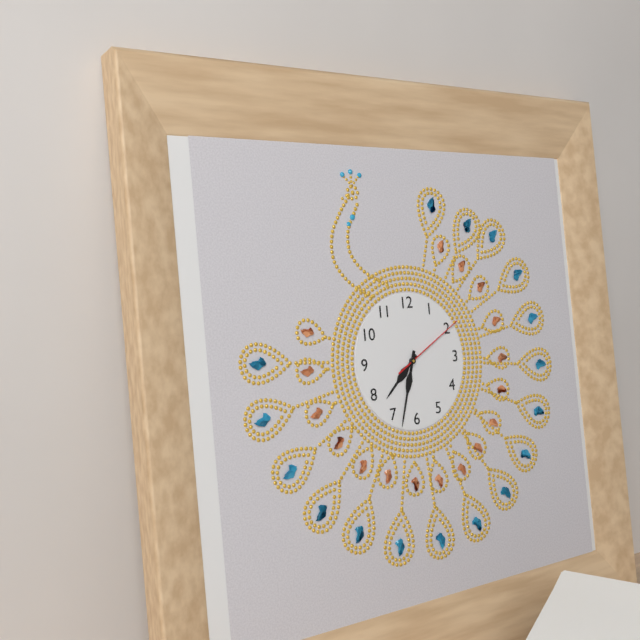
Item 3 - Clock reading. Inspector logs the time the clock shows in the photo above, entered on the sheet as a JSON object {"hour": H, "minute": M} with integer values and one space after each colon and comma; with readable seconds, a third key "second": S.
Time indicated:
{"hour": 7, "minute": 33, "second": 10}
